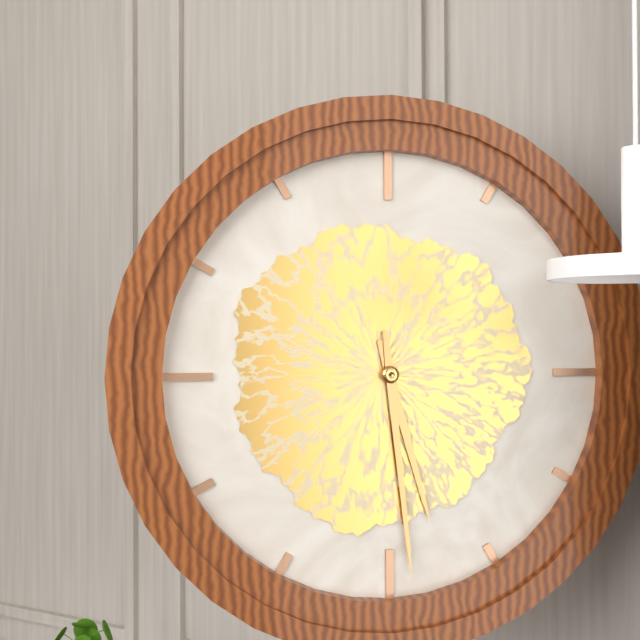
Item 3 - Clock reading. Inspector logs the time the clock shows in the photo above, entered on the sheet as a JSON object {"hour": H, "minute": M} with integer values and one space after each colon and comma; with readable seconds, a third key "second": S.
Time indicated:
{"hour": 5, "minute": 29}
